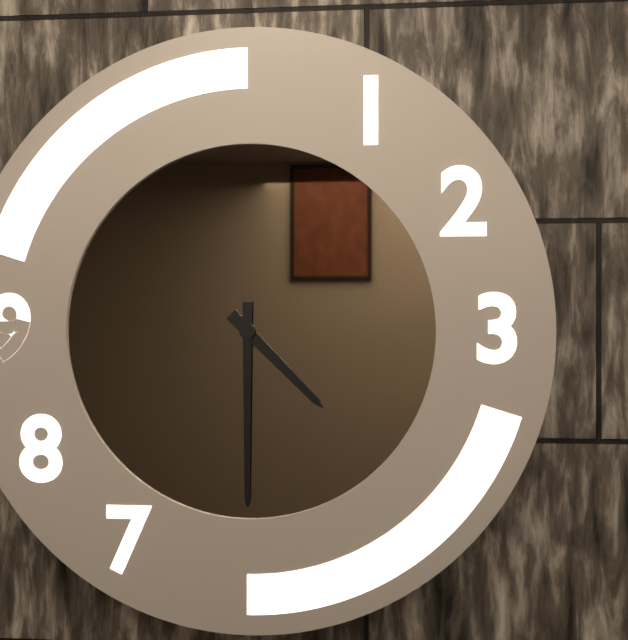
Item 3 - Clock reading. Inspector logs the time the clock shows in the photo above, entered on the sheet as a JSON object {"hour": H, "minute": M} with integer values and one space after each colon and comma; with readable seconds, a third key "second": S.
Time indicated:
{"hour": 4, "minute": 30}
